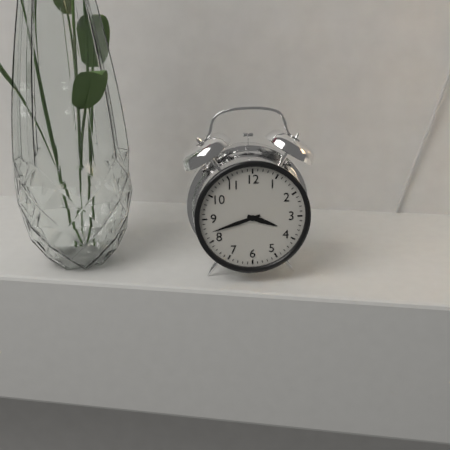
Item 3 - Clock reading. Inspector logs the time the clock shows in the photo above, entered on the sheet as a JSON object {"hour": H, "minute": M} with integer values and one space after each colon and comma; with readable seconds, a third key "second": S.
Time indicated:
{"hour": 3, "minute": 42}
